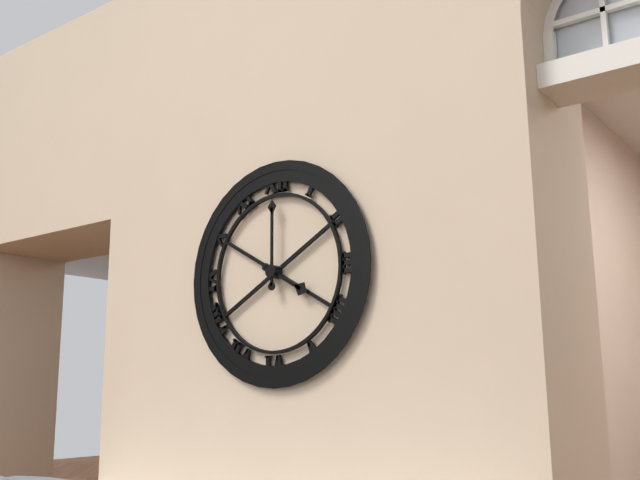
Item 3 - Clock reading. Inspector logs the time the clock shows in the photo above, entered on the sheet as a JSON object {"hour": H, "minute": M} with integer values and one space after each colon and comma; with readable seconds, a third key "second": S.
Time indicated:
{"hour": 4, "minute": 0}
